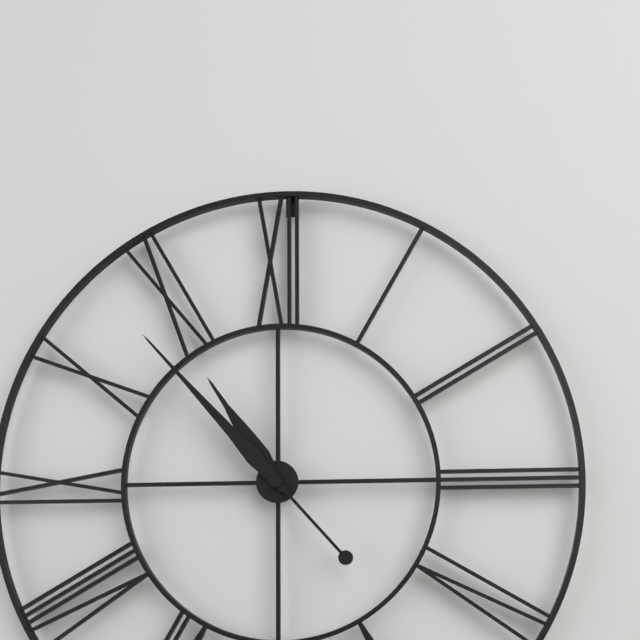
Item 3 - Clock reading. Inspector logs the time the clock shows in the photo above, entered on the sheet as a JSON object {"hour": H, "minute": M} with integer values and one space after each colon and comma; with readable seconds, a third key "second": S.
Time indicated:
{"hour": 10, "minute": 53}
